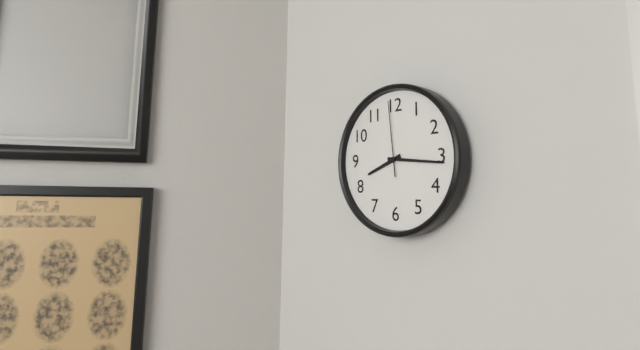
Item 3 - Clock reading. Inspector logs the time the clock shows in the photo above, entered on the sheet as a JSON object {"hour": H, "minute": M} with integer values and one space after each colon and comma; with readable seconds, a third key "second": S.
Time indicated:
{"hour": 8, "minute": 16, "second": 59}
